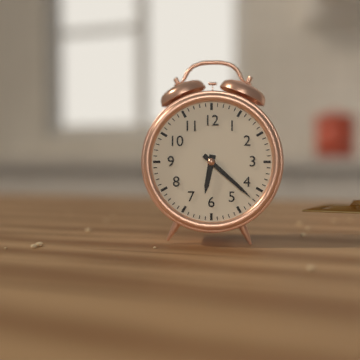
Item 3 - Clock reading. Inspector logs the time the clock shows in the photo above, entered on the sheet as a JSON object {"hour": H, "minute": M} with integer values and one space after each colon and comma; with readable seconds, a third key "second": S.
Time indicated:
{"hour": 6, "minute": 22}
